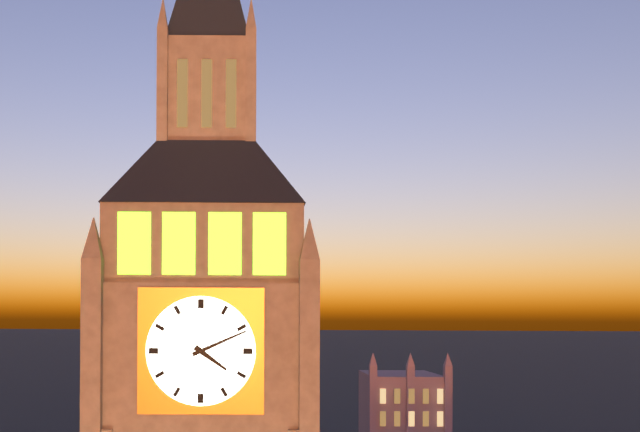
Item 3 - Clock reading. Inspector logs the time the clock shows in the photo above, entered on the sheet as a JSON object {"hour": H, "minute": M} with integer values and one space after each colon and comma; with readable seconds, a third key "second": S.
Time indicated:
{"hour": 4, "minute": 11}
